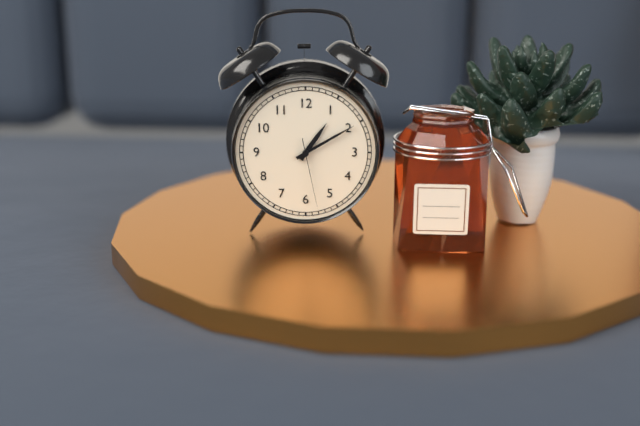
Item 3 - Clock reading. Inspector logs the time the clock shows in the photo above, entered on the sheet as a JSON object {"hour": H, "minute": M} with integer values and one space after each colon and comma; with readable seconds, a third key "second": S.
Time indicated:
{"hour": 1, "minute": 10, "second": 28}
